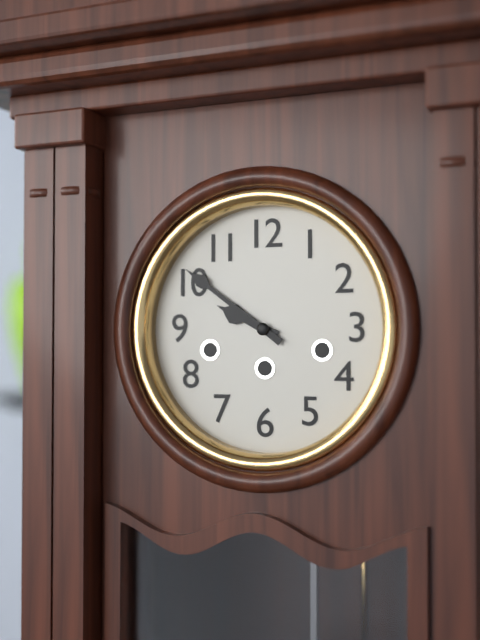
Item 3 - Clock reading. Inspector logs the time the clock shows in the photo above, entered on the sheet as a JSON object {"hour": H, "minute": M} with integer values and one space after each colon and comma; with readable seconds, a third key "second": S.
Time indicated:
{"hour": 9, "minute": 51}
